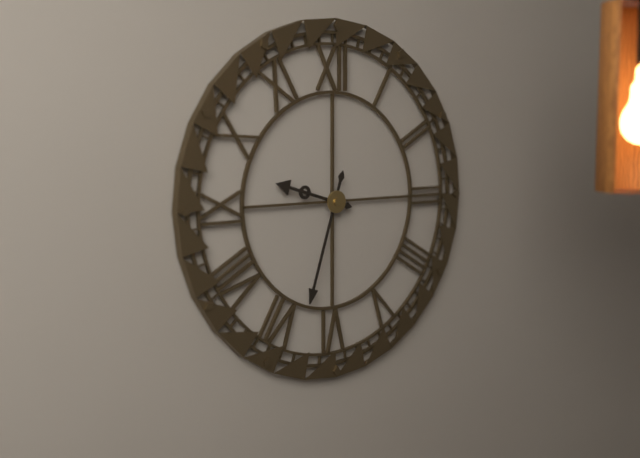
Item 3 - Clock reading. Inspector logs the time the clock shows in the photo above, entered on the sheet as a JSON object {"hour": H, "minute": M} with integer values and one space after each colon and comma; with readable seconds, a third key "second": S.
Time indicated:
{"hour": 9, "minute": 33}
